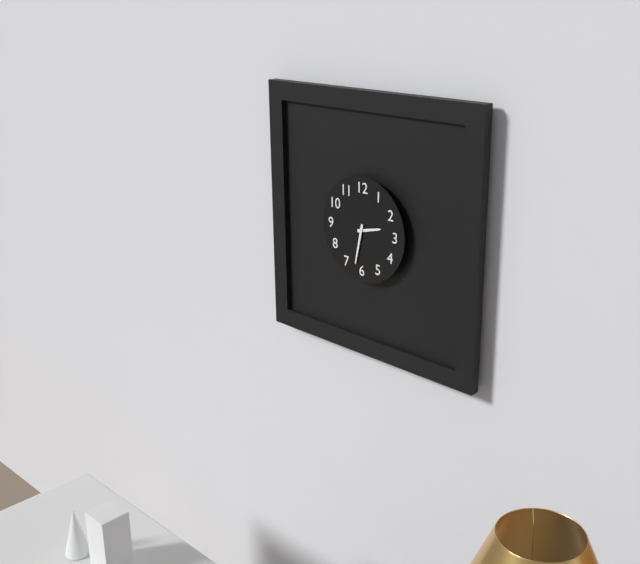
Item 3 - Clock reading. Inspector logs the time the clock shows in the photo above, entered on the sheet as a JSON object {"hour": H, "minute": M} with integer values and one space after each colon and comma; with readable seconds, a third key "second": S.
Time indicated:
{"hour": 2, "minute": 32}
